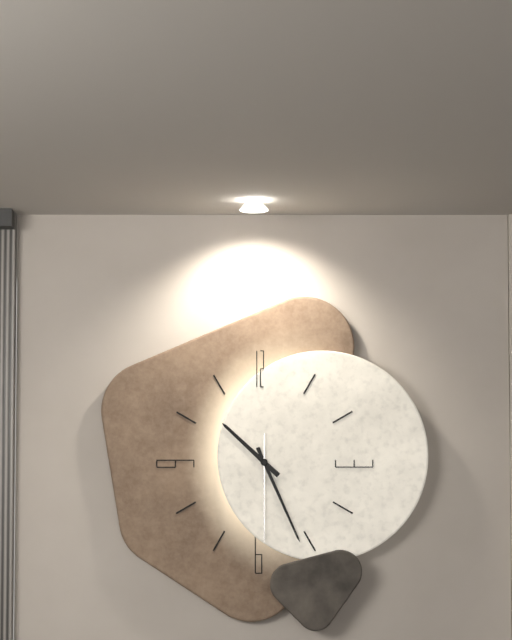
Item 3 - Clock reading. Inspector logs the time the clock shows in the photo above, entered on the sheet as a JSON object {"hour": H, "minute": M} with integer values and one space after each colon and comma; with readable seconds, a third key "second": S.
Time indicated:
{"hour": 10, "minute": 26, "second": 30}
